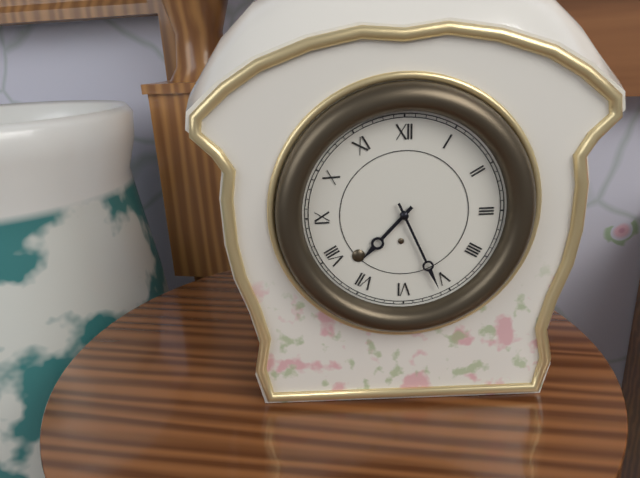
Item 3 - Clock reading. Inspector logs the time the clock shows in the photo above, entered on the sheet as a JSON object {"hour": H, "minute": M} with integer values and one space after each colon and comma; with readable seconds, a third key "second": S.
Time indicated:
{"hour": 7, "minute": 26}
